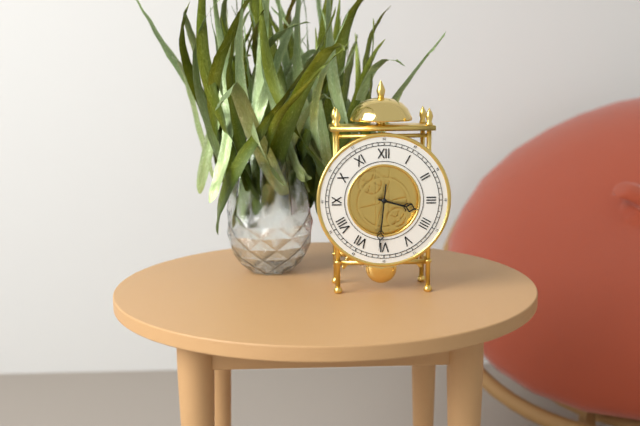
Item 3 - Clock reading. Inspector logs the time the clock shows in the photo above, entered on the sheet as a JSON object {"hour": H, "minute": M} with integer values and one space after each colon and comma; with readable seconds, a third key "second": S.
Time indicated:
{"hour": 3, "minute": 31}
